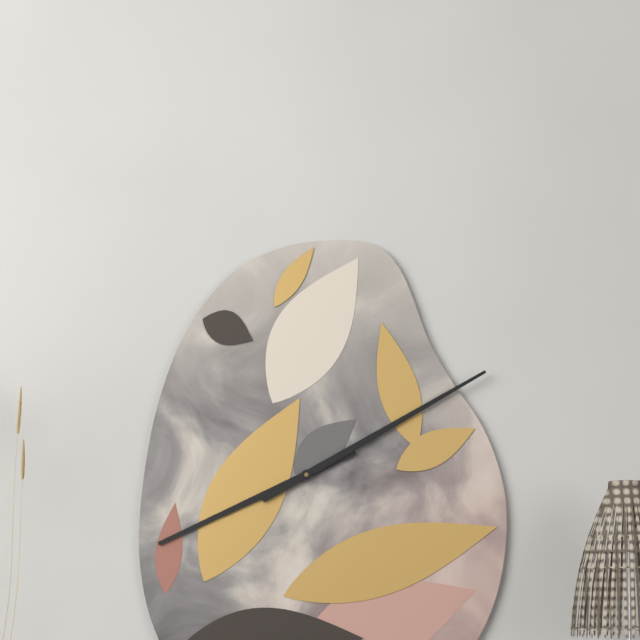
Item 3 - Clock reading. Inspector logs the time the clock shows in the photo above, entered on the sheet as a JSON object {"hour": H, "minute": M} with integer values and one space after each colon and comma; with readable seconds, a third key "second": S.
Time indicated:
{"hour": 8, "minute": 10}
